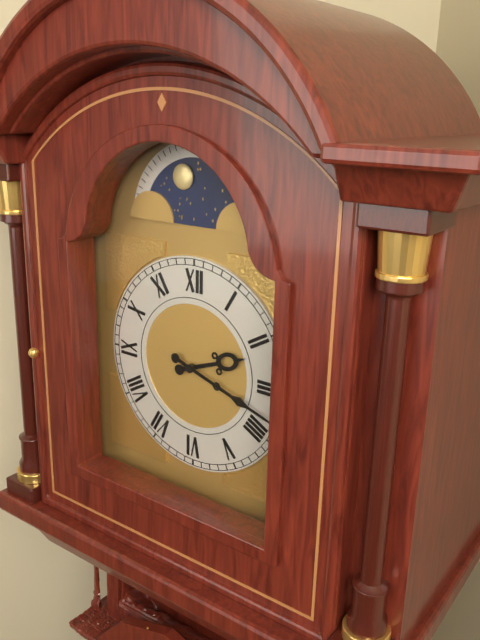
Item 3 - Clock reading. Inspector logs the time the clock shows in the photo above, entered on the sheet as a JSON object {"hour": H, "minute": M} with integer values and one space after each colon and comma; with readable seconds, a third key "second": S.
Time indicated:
{"hour": 2, "minute": 18}
